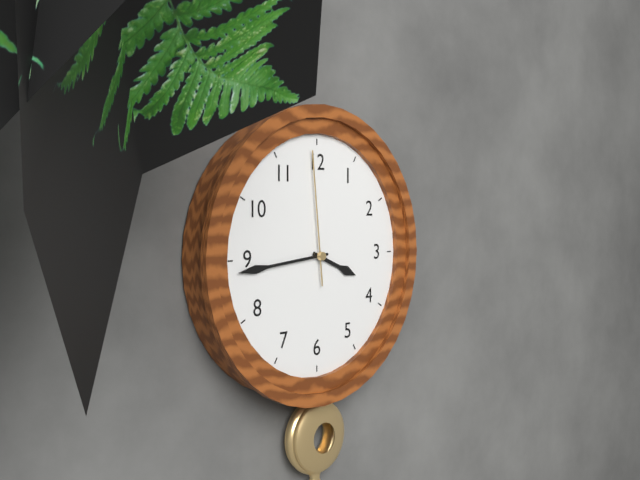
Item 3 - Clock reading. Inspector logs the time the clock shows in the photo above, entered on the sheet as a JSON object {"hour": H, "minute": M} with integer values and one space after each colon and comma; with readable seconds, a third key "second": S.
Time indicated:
{"hour": 3, "minute": 44, "second": 59}
